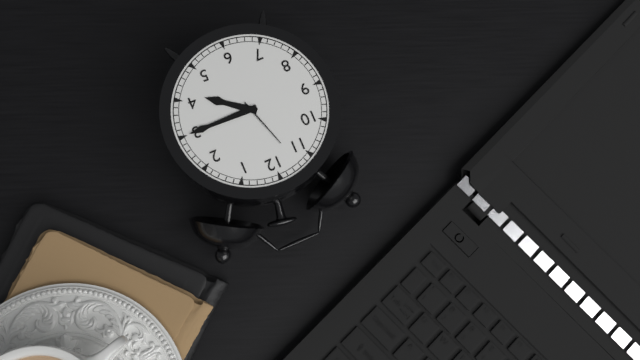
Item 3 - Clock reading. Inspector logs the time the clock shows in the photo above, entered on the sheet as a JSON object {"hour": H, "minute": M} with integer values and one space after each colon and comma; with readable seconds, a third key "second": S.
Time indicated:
{"hour": 4, "minute": 15}
